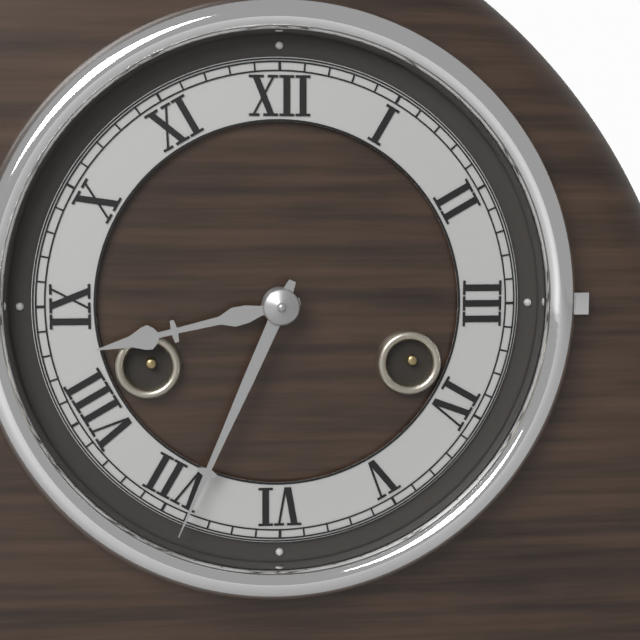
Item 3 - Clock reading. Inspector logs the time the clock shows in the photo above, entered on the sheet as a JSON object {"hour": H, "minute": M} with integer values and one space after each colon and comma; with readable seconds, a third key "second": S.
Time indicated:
{"hour": 8, "minute": 34}
